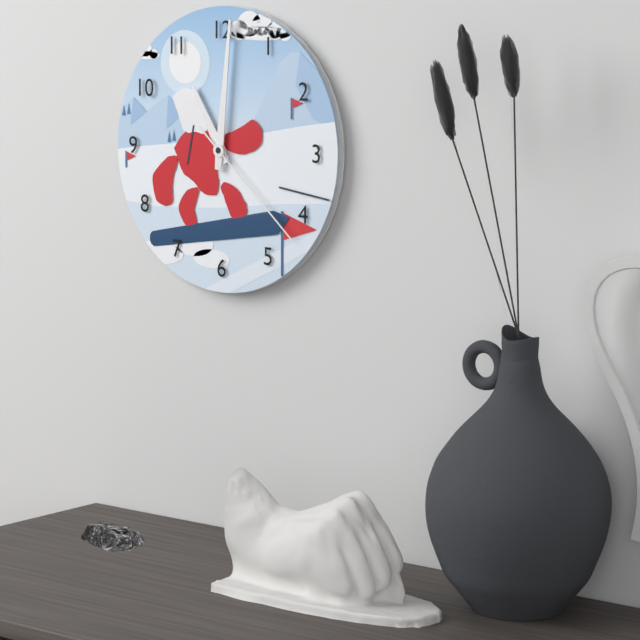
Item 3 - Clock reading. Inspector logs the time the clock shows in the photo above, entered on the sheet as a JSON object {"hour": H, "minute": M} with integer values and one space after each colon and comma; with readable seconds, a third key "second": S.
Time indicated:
{"hour": 11, "minute": 1, "second": 22}
